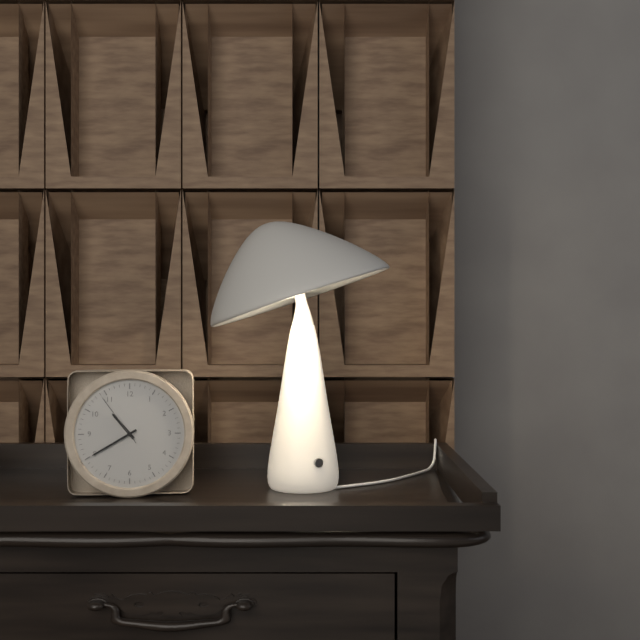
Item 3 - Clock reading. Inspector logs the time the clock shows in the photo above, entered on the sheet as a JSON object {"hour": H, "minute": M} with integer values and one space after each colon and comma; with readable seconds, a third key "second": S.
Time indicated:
{"hour": 10, "minute": 40, "second": 54}
